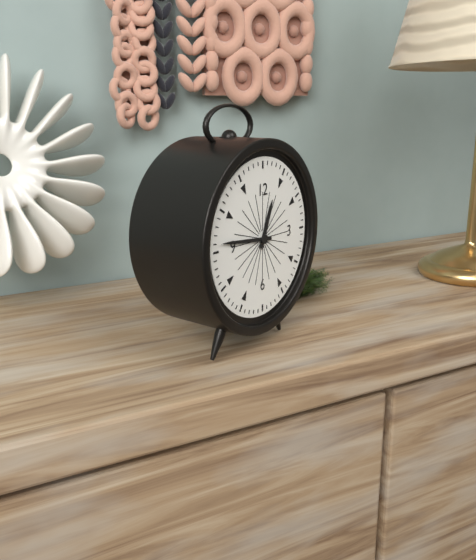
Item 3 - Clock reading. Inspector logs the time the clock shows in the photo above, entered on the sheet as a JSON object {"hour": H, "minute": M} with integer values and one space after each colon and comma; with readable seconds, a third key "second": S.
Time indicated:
{"hour": 12, "minute": 46}
